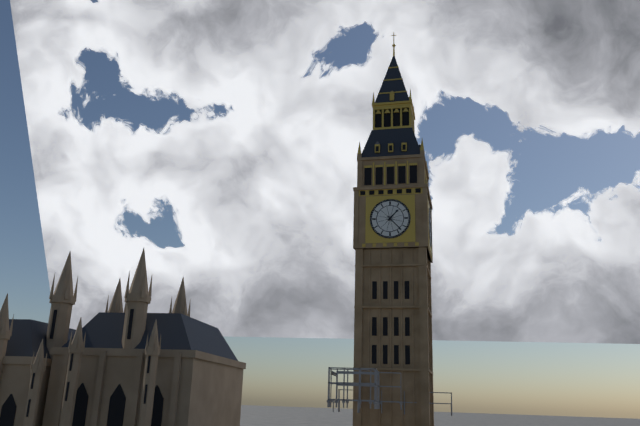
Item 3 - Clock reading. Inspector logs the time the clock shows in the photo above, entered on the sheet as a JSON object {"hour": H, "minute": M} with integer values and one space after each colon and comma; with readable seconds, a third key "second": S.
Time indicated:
{"hour": 1, "minute": 23}
